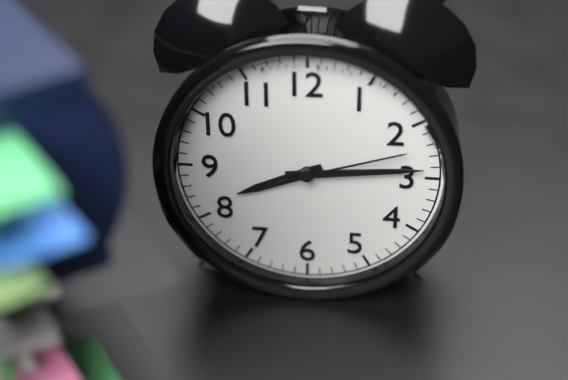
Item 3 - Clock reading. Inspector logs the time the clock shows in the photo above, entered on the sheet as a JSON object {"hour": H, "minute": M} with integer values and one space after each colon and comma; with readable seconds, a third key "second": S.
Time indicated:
{"hour": 8, "minute": 14, "second": 12}
